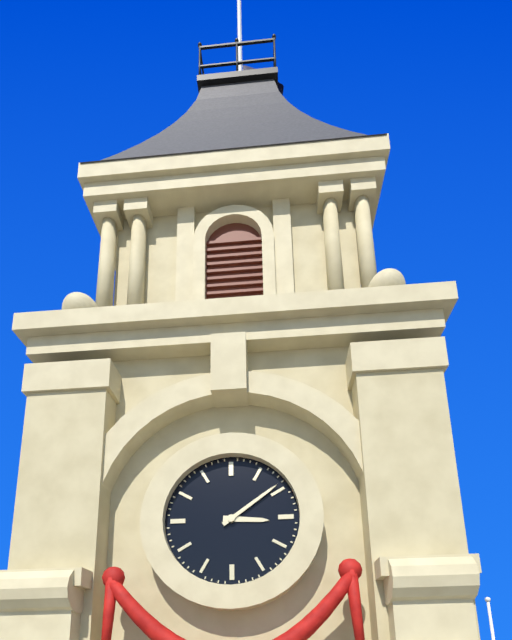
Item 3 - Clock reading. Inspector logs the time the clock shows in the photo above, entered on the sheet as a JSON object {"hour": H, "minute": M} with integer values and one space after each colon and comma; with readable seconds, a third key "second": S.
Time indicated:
{"hour": 3, "minute": 9}
